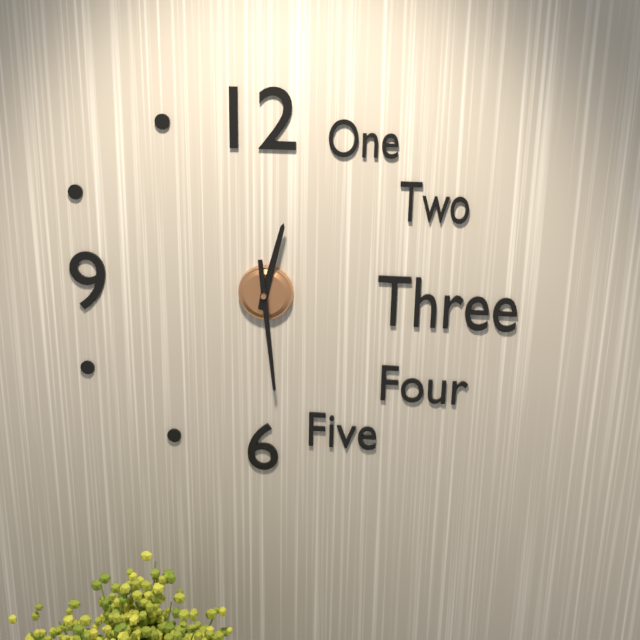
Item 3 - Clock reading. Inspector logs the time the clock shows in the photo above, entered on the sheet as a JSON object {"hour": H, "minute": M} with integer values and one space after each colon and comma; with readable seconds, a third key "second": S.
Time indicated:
{"hour": 12, "minute": 29}
